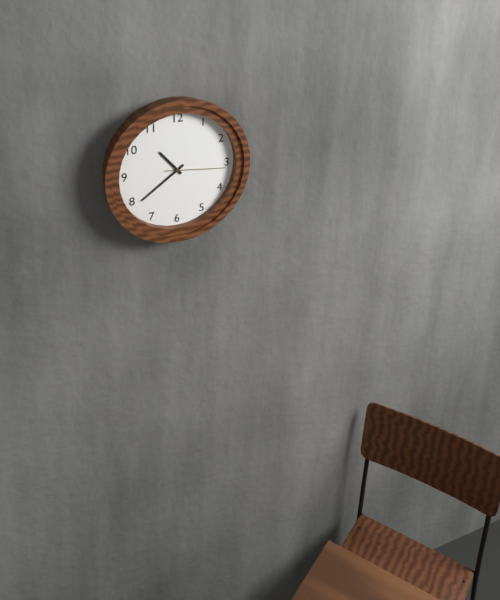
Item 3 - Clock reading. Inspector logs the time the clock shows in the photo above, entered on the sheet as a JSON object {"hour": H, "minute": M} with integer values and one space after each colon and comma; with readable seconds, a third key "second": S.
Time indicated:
{"hour": 10, "minute": 39, "second": 16}
